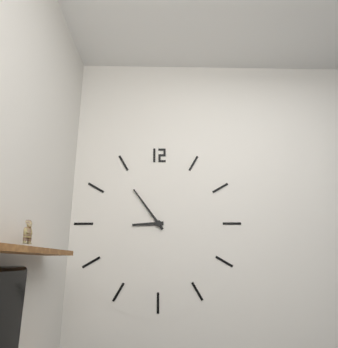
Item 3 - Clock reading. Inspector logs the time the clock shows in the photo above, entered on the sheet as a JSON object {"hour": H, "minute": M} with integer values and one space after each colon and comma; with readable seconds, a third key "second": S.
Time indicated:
{"hour": 8, "minute": 54}
